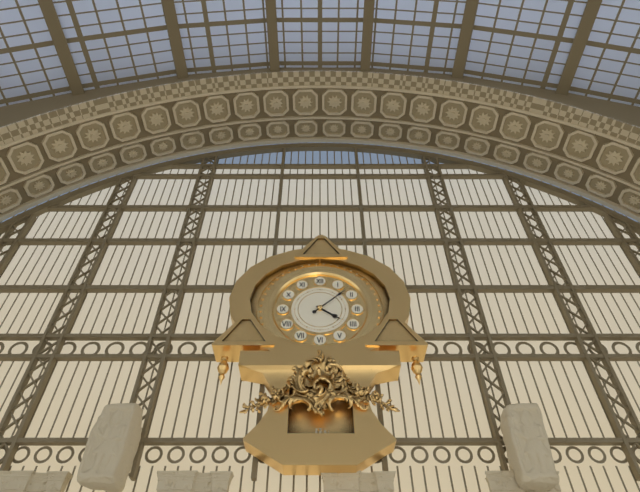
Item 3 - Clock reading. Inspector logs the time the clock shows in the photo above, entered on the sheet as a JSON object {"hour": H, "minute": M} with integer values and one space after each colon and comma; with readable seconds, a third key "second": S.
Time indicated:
{"hour": 4, "minute": 8}
